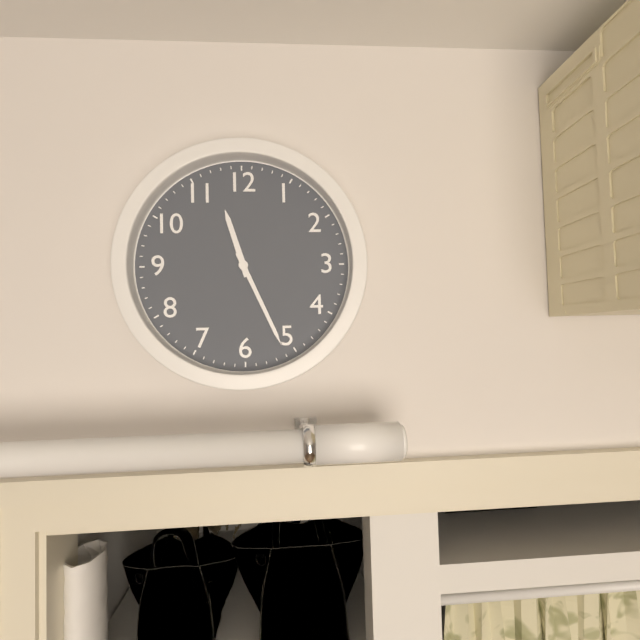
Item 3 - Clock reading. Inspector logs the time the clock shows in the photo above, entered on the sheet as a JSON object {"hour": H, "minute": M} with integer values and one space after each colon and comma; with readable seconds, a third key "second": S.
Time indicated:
{"hour": 11, "minute": 26}
